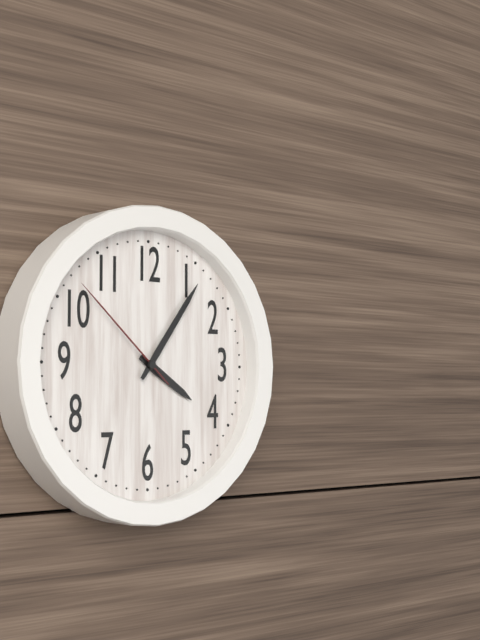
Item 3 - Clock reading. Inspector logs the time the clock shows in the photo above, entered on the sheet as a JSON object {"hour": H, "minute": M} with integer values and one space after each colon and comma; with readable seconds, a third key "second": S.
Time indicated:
{"hour": 4, "minute": 6, "second": 52}
